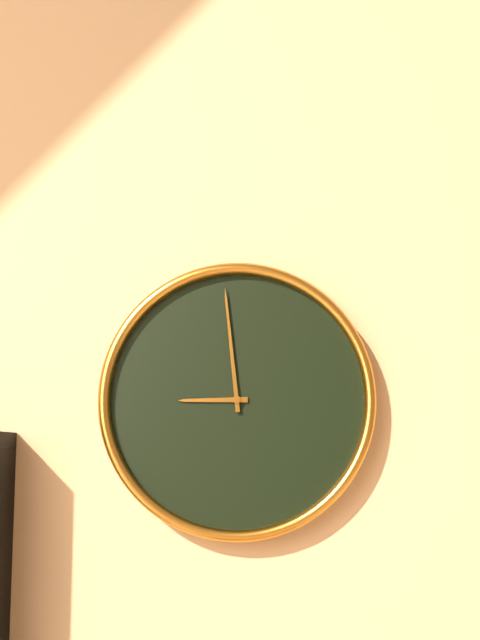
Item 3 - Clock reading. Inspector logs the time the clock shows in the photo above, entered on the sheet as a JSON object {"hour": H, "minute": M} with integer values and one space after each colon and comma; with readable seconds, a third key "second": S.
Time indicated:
{"hour": 8, "minute": 59}
